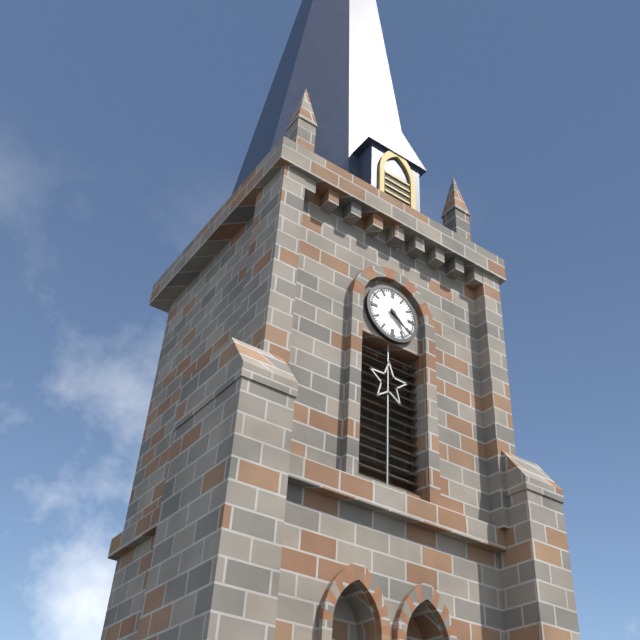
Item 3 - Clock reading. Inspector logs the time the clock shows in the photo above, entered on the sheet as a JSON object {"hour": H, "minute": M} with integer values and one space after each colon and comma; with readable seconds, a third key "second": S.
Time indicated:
{"hour": 4, "minute": 22}
